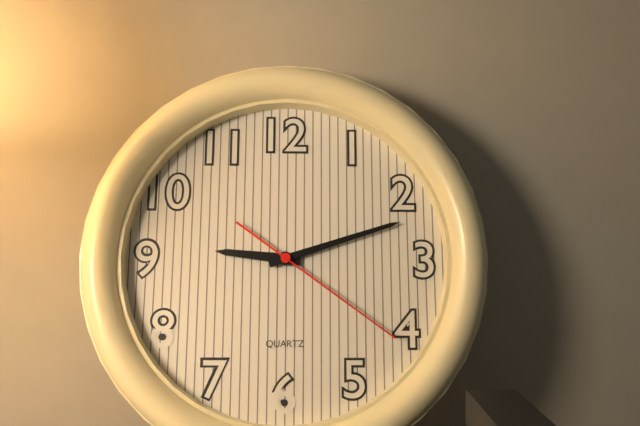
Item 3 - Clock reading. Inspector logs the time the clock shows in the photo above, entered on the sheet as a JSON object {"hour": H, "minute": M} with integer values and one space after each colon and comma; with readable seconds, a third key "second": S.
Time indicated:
{"hour": 9, "minute": 12, "second": 21}
